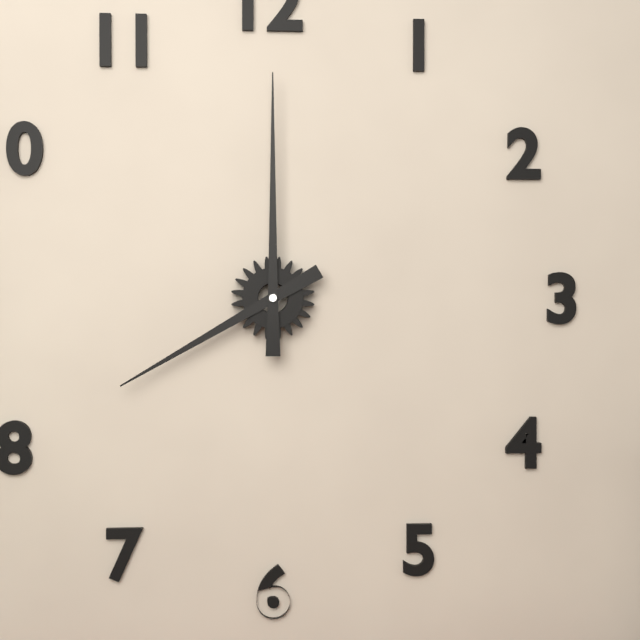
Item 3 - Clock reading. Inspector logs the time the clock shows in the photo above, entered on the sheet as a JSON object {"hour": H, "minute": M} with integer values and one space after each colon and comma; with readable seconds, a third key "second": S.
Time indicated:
{"hour": 8, "minute": 0}
